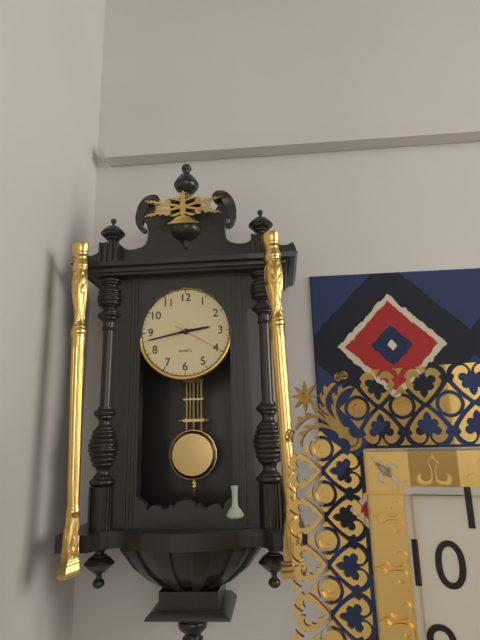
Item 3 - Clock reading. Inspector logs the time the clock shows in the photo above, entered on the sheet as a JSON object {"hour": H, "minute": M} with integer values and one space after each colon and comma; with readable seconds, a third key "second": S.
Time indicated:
{"hour": 2, "minute": 43, "second": 20}
